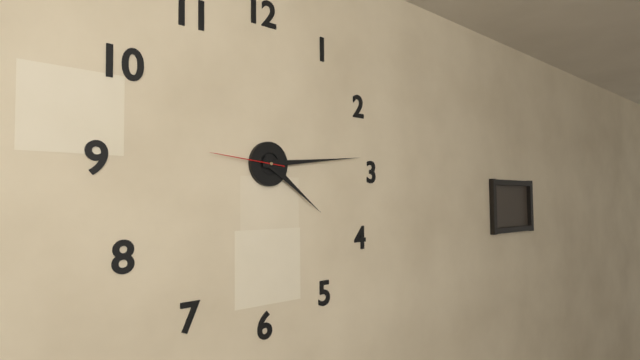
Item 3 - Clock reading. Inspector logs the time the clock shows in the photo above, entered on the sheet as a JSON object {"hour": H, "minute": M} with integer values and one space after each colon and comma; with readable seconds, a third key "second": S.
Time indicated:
{"hour": 4, "minute": 14, "second": 46}
